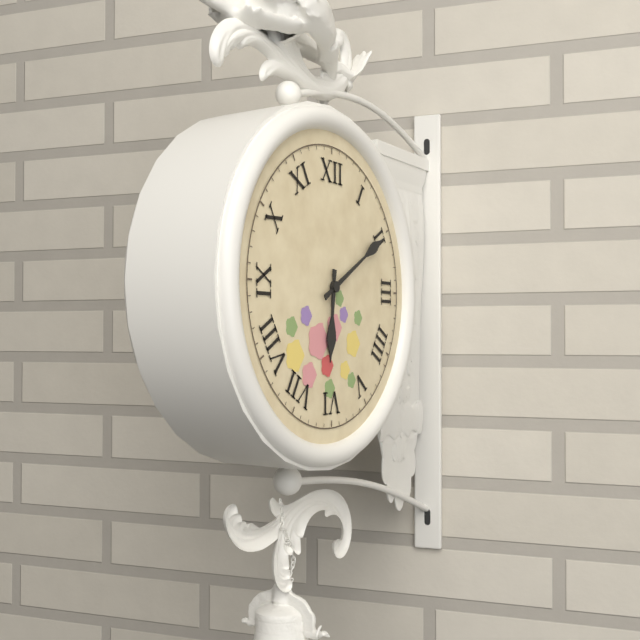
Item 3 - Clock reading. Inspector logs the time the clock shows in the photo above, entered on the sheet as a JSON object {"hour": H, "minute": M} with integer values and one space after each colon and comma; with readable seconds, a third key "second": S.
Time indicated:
{"hour": 6, "minute": 10}
